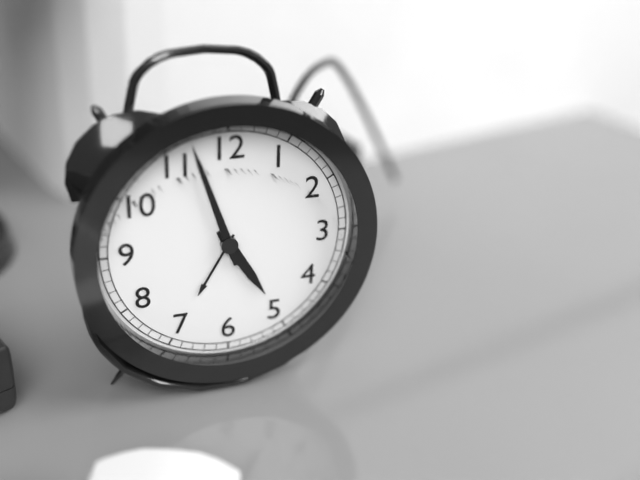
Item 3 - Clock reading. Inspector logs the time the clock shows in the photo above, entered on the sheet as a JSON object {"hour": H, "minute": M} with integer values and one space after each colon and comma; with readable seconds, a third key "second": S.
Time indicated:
{"hour": 4, "minute": 57}
